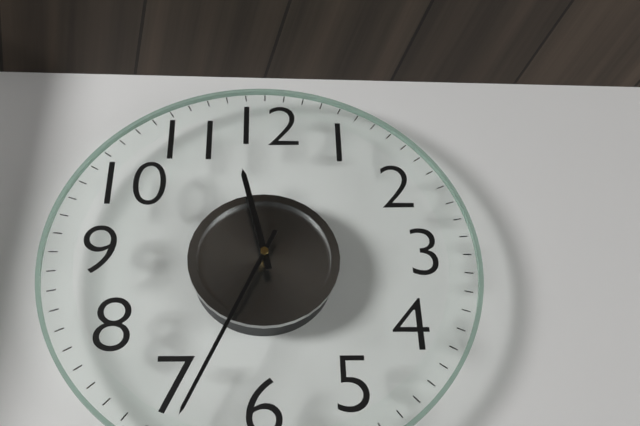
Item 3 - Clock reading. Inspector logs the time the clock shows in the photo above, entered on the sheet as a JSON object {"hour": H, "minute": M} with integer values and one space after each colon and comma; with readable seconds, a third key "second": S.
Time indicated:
{"hour": 11, "minute": 34}
